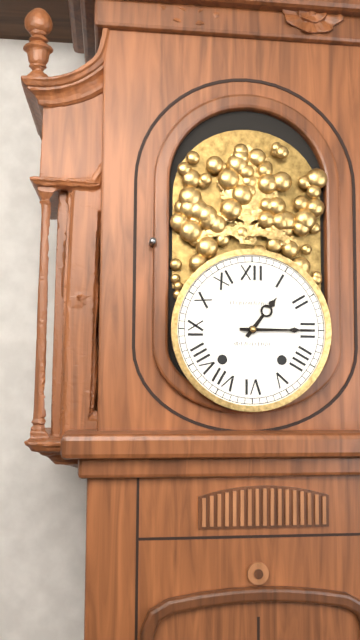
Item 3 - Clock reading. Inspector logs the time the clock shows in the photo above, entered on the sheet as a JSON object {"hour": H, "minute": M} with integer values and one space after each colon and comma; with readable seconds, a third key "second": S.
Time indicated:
{"hour": 1, "minute": 15}
